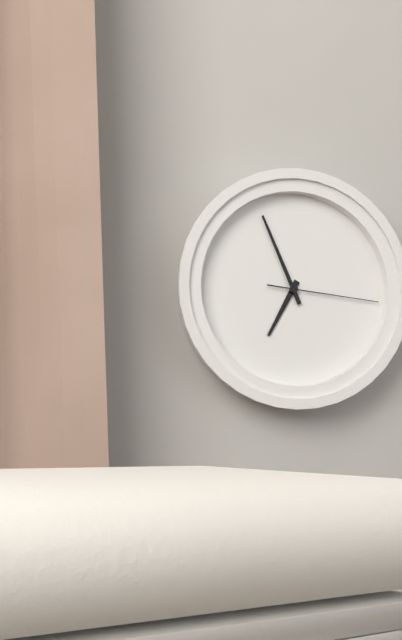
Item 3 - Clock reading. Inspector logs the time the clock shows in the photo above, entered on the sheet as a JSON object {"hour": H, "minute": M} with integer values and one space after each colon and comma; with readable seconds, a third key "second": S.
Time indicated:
{"hour": 6, "minute": 56, "second": 16}
